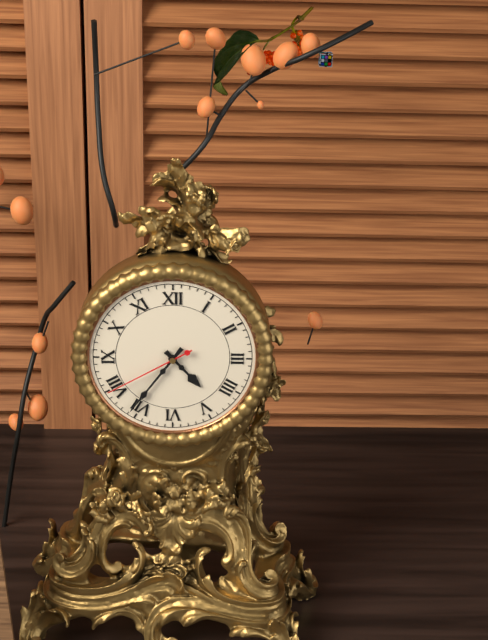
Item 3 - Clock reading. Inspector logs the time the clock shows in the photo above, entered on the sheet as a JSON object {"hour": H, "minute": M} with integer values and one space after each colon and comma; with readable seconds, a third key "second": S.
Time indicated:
{"hour": 4, "minute": 36, "second": 40}
